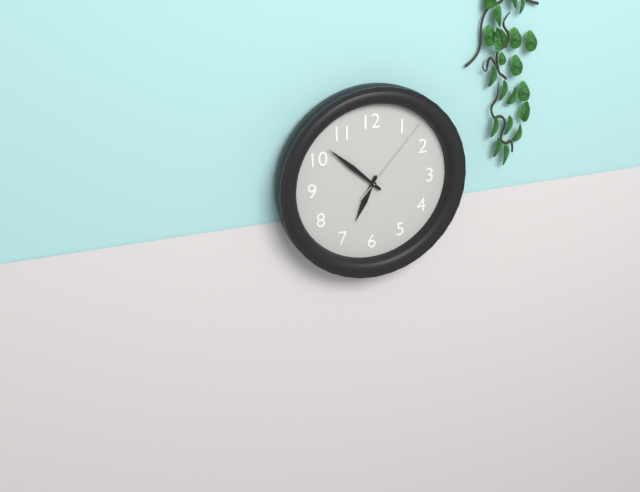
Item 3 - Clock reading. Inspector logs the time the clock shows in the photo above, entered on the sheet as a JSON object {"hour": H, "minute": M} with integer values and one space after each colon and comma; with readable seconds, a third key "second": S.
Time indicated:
{"hour": 6, "minute": 52, "second": 7}
